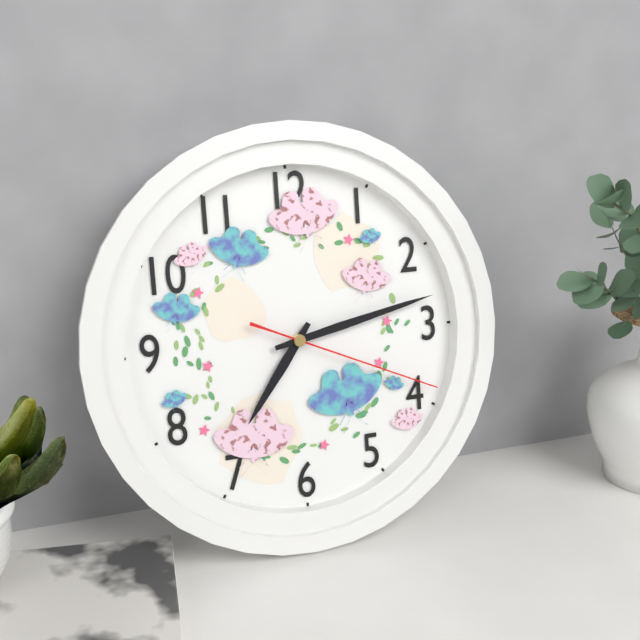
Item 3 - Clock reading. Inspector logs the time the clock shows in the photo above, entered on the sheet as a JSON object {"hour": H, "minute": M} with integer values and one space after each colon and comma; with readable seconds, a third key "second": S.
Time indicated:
{"hour": 7, "minute": 13, "second": 19}
